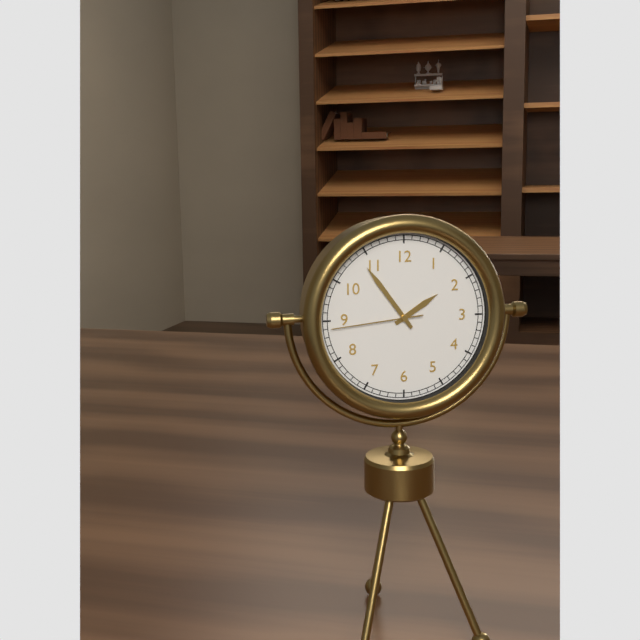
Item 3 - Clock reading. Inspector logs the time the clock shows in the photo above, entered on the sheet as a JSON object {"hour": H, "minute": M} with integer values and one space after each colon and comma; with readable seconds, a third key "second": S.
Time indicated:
{"hour": 1, "minute": 54, "second": 44}
